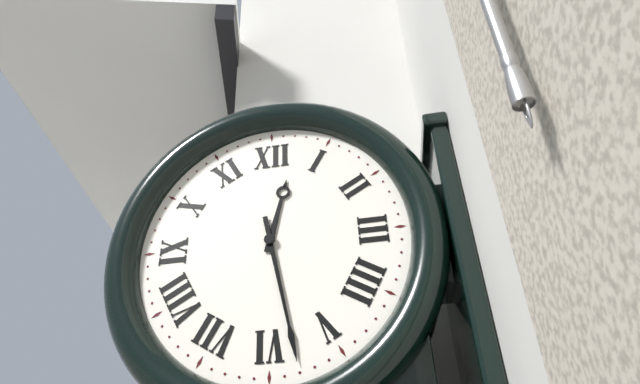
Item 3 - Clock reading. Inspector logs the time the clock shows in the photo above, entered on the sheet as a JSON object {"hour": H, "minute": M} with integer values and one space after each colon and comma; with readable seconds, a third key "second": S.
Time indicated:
{"hour": 12, "minute": 28}
